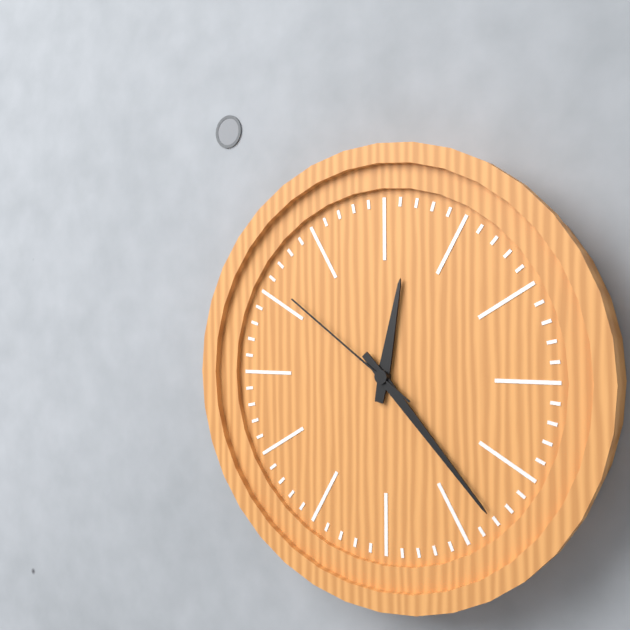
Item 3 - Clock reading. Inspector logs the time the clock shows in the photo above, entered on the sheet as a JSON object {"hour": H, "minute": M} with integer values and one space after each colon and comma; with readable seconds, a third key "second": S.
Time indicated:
{"hour": 12, "minute": 23, "second": 51}
